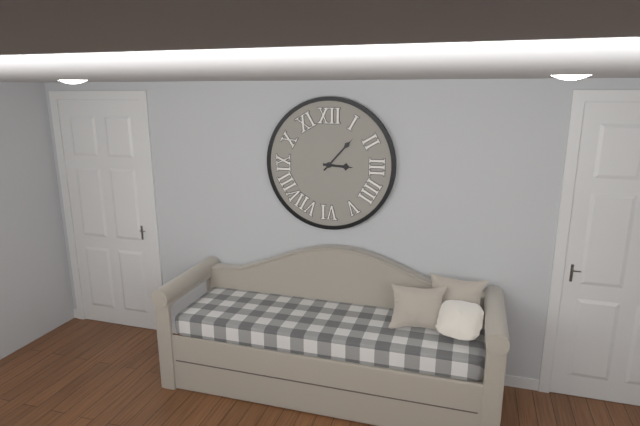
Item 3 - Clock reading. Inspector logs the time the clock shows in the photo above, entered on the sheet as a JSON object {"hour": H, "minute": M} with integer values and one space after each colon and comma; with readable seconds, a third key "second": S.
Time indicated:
{"hour": 3, "minute": 7}
